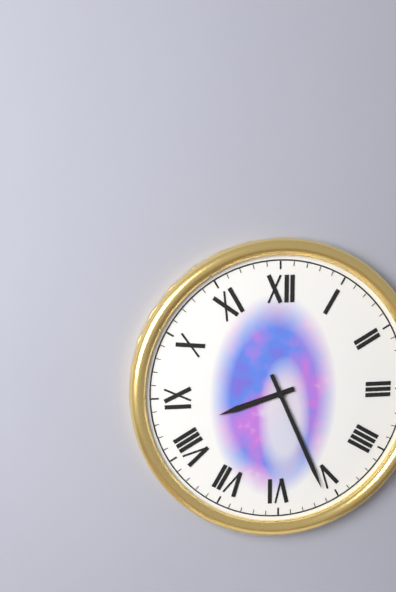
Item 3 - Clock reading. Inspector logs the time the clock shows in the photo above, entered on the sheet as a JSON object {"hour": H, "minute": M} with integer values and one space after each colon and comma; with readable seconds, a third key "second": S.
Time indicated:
{"hour": 8, "minute": 26}
